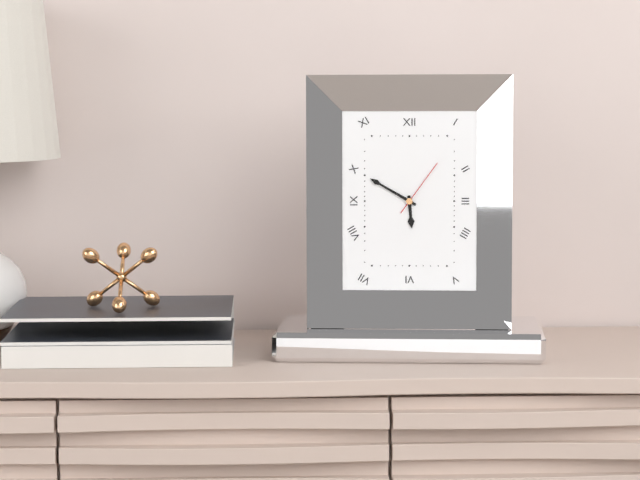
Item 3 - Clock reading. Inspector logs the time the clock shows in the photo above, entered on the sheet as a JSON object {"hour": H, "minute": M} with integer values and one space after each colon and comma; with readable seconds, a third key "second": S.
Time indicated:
{"hour": 5, "minute": 50, "second": 6}
